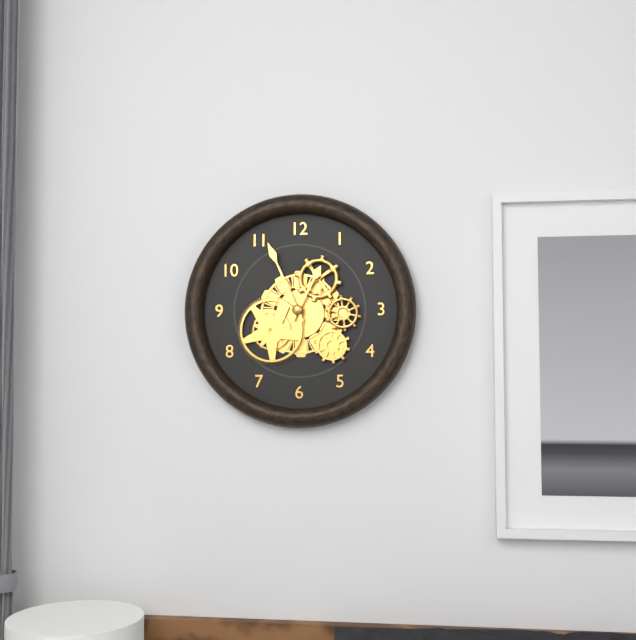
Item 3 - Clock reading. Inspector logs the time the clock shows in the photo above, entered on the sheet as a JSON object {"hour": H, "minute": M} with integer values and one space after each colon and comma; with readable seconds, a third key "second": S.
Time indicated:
{"hour": 12, "minute": 56}
